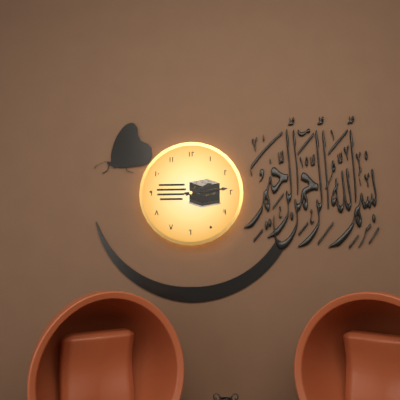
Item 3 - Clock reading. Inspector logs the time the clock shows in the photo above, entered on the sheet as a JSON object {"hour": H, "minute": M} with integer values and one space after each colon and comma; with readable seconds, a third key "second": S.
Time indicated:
{"hour": 2, "minute": 14}
